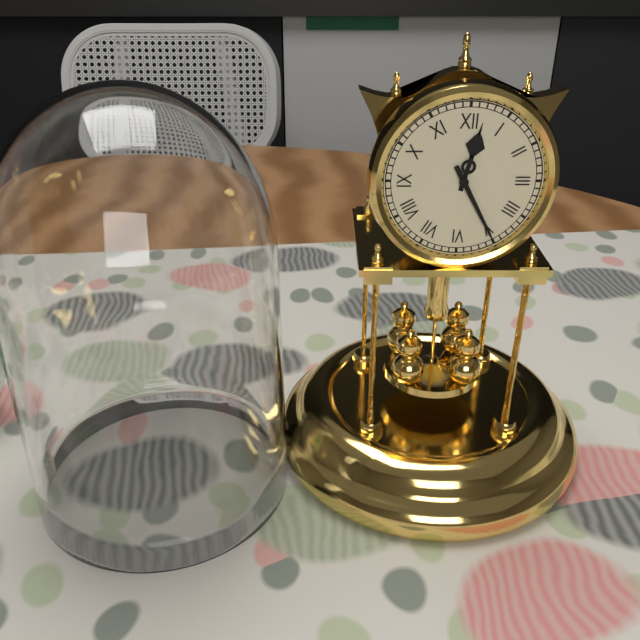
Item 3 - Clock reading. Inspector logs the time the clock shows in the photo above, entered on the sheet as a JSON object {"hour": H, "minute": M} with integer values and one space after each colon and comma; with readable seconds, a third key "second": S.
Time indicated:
{"hour": 12, "minute": 25}
